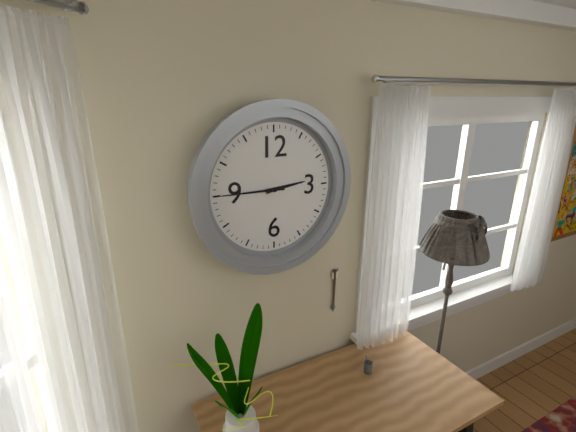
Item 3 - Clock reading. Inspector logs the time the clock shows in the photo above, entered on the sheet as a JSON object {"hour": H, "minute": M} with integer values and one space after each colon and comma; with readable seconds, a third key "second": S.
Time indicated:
{"hour": 2, "minute": 45}
